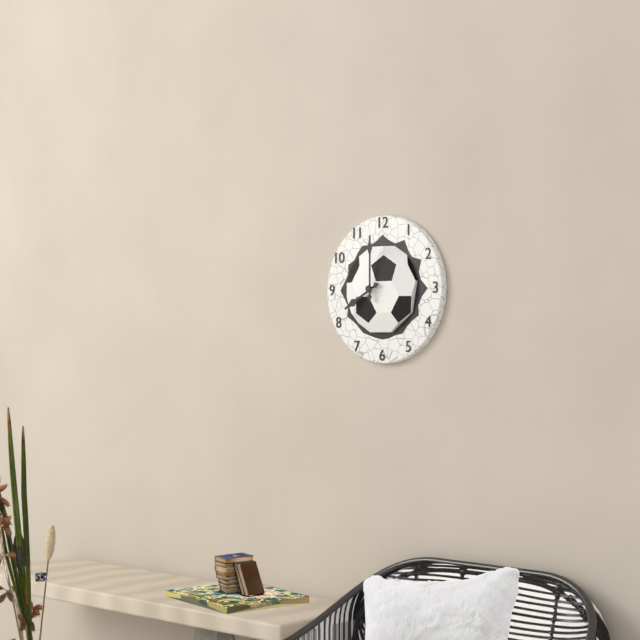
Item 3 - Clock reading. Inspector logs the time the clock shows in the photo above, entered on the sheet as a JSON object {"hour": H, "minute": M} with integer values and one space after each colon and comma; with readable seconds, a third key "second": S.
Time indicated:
{"hour": 8, "minute": 0}
